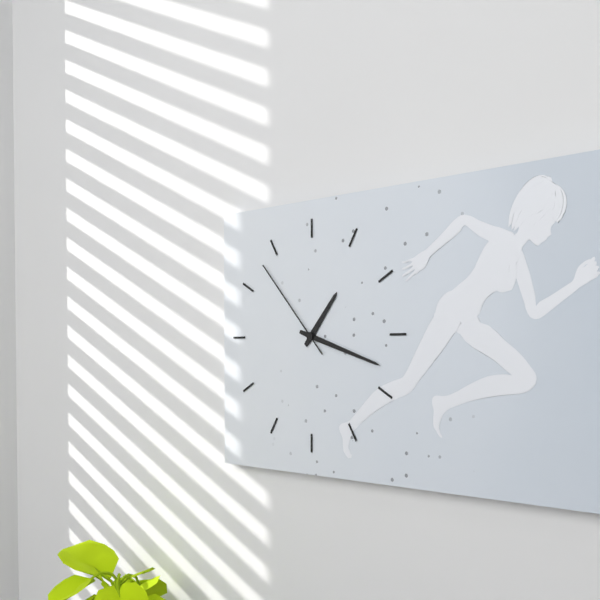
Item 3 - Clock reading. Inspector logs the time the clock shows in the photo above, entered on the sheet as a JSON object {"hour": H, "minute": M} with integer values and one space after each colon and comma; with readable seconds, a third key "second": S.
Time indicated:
{"hour": 1, "minute": 18, "second": 53}
